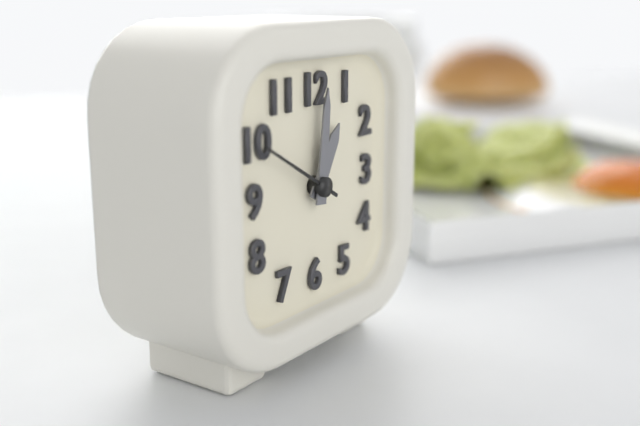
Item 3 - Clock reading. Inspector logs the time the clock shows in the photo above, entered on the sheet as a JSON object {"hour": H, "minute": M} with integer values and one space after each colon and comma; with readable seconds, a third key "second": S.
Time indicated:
{"hour": 1, "minute": 1, "second": 50}
